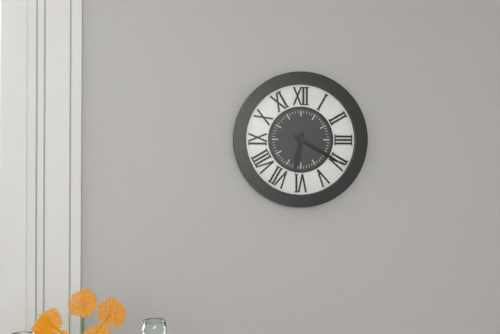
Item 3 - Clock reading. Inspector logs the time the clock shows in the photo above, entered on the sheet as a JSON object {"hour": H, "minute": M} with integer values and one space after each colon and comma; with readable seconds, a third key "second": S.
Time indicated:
{"hour": 6, "minute": 20}
